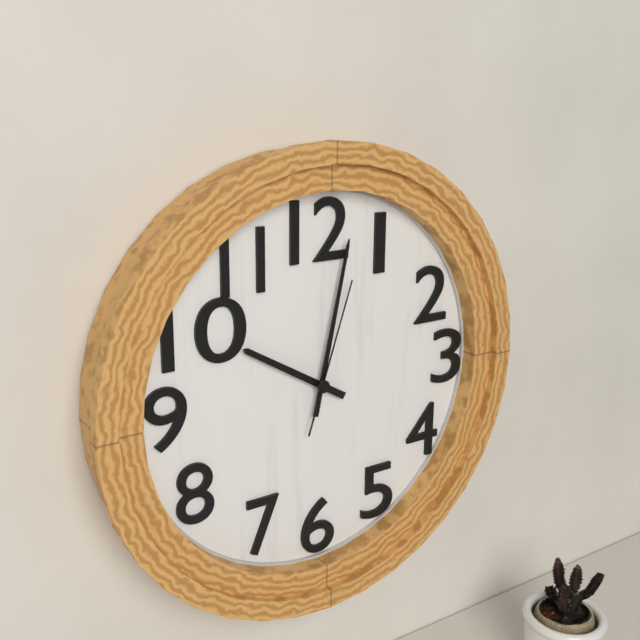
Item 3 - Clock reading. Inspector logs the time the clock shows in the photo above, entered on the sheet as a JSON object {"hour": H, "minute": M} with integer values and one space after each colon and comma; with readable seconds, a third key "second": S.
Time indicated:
{"hour": 10, "minute": 2, "second": 3}
